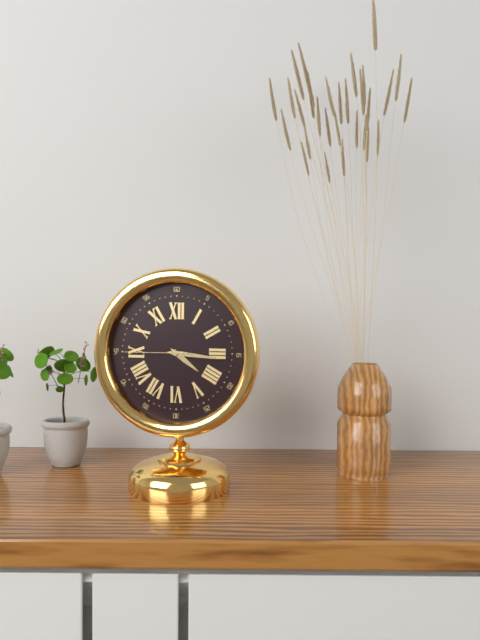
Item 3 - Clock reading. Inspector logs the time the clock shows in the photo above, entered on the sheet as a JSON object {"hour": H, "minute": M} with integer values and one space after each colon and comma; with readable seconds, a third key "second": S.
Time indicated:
{"hour": 4, "minute": 16, "second": 45}
